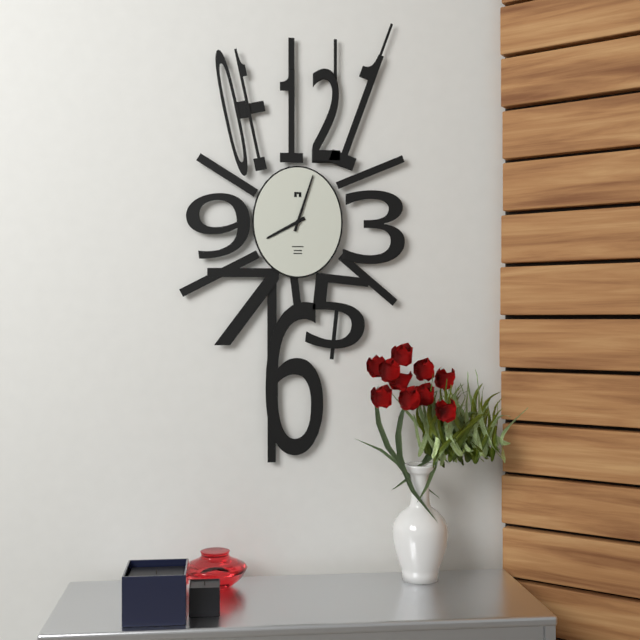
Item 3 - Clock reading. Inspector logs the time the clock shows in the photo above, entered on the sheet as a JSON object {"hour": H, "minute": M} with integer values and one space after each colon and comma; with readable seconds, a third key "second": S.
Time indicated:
{"hour": 8, "minute": 3}
